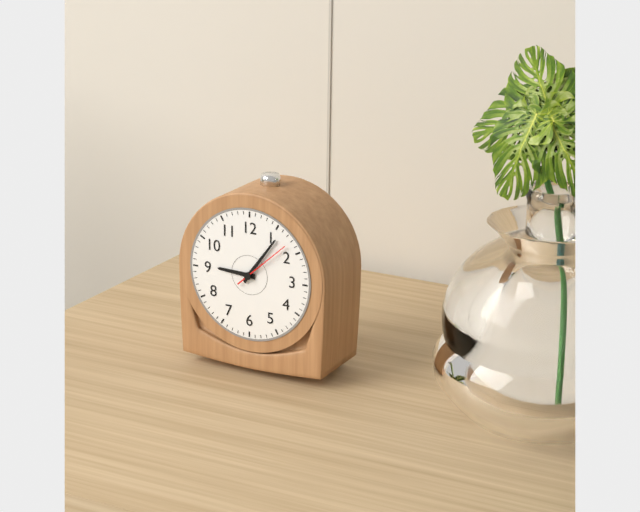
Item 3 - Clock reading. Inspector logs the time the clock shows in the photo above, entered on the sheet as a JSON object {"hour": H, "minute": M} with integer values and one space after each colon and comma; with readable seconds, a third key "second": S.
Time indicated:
{"hour": 9, "minute": 6, "second": 8}
